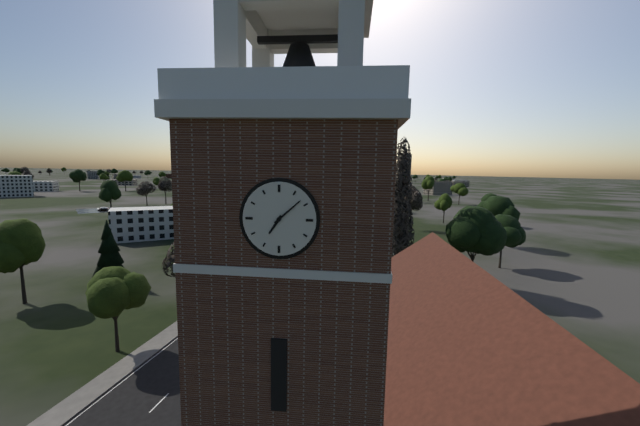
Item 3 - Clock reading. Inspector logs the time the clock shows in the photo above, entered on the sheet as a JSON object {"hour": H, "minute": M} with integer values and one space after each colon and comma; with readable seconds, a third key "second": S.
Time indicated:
{"hour": 7, "minute": 8}
